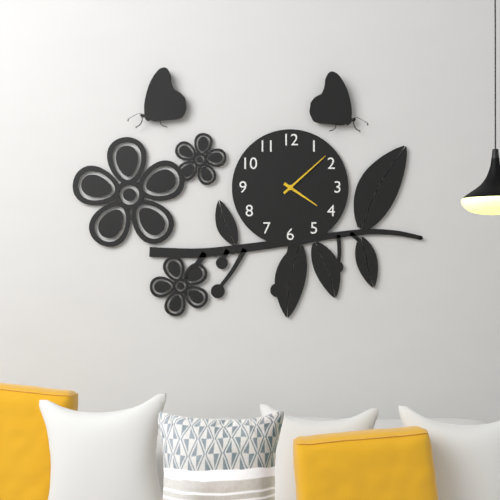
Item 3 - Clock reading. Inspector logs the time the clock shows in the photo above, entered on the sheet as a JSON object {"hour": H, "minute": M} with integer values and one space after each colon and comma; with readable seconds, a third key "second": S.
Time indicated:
{"hour": 4, "minute": 8}
